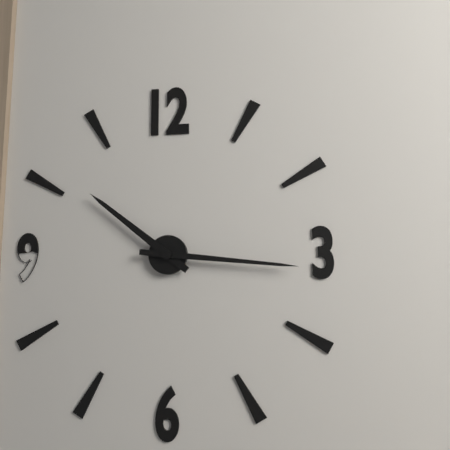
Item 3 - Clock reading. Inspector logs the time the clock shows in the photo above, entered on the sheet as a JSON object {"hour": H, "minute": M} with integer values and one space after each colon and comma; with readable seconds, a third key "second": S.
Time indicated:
{"hour": 10, "minute": 16}
